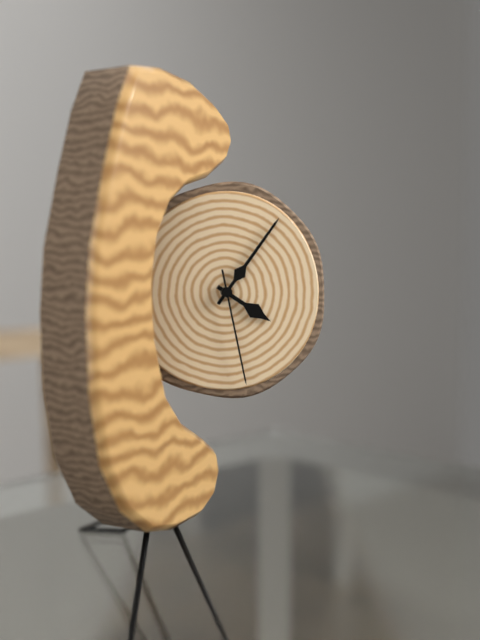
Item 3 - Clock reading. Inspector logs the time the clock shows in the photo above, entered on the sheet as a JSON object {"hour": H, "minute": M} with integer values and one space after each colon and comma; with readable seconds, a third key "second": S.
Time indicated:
{"hour": 4, "minute": 6, "second": 28}
